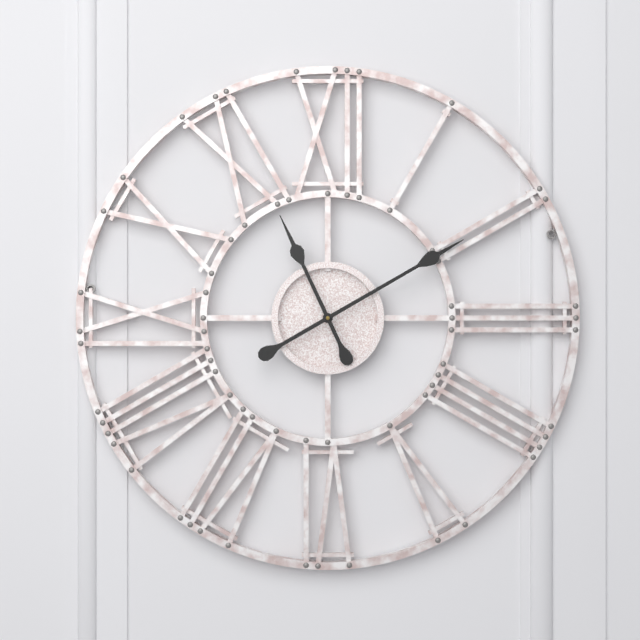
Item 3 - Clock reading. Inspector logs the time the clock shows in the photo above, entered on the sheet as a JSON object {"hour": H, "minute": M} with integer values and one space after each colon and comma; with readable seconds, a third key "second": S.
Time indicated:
{"hour": 11, "minute": 10}
